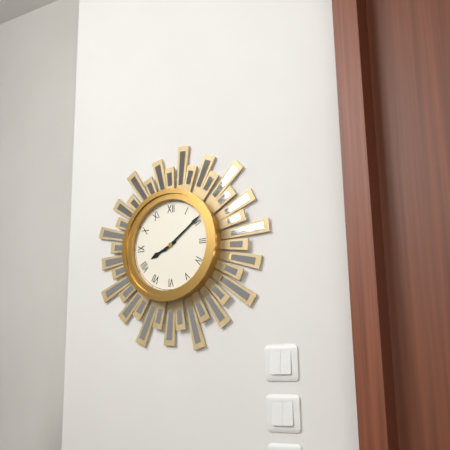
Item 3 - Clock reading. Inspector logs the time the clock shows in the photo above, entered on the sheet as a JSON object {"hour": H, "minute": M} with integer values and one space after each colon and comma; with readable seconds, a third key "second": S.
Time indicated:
{"hour": 8, "minute": 9}
